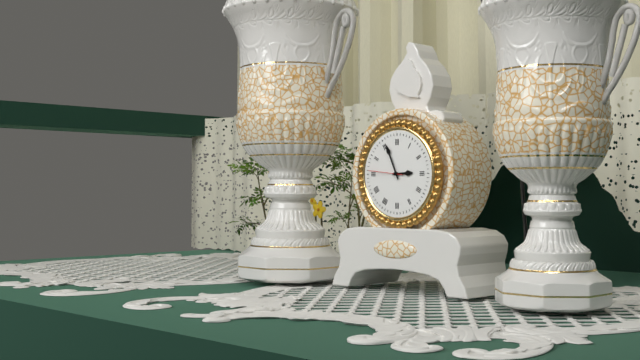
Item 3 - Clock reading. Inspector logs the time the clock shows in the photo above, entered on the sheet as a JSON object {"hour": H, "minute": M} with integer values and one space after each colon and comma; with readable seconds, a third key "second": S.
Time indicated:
{"hour": 2, "minute": 56}
